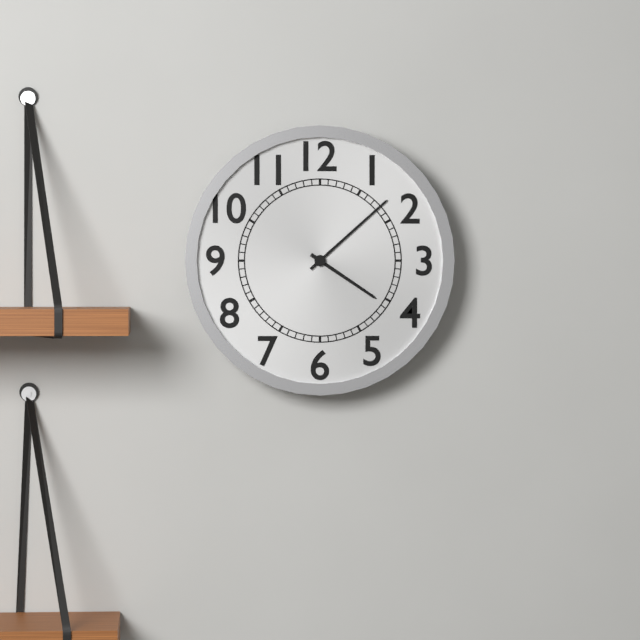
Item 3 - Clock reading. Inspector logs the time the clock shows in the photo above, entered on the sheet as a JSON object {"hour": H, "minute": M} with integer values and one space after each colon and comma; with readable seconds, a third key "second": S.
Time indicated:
{"hour": 4, "minute": 8}
